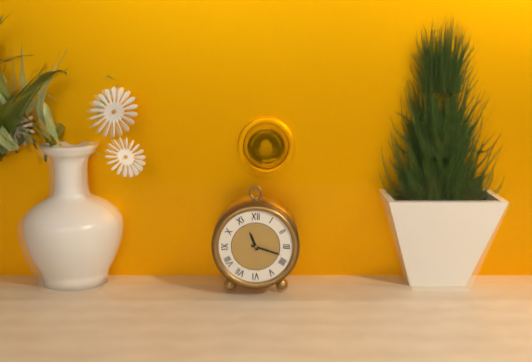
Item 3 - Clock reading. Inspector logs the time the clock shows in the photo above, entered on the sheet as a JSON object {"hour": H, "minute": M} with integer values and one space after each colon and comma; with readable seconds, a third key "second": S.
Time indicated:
{"hour": 11, "minute": 18}
